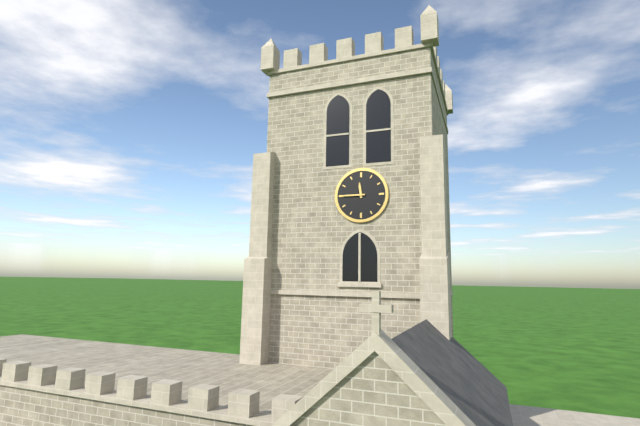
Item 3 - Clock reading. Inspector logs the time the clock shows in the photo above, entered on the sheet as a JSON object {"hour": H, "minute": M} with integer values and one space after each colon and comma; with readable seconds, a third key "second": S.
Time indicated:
{"hour": 11, "minute": 45}
